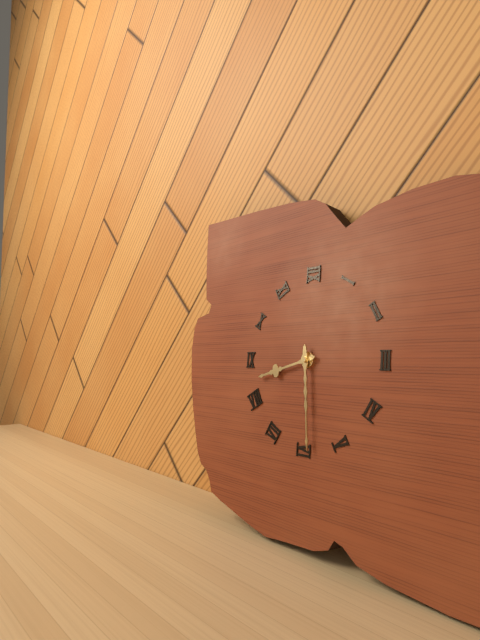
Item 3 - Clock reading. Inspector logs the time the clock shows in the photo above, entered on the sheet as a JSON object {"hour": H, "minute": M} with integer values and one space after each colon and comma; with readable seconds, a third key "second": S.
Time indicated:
{"hour": 8, "minute": 29}
